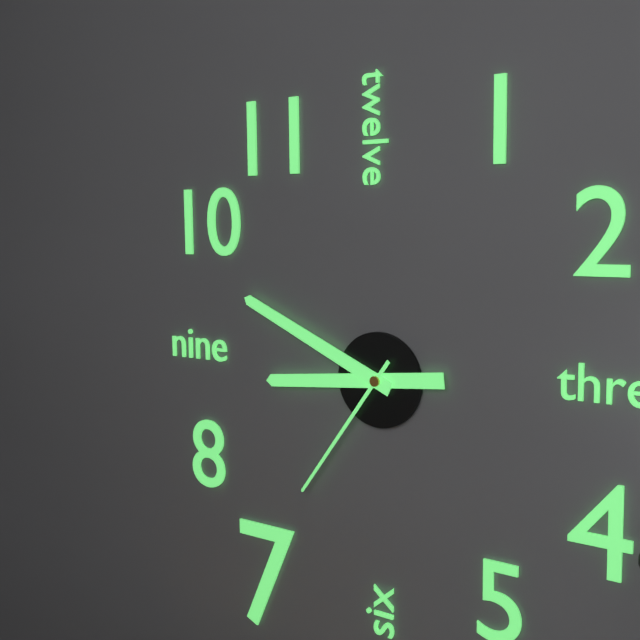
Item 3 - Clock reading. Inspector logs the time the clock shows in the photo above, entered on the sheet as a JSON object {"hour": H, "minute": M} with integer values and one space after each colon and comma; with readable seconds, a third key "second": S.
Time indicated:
{"hour": 8, "minute": 49, "second": 36}
